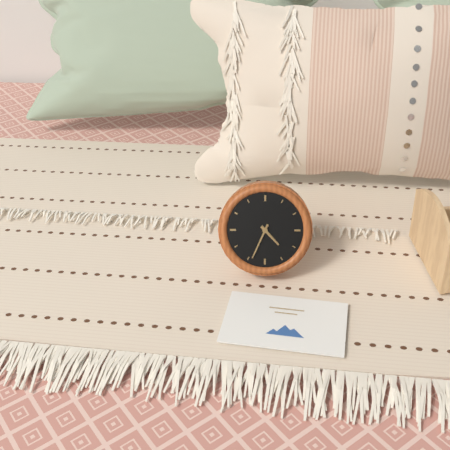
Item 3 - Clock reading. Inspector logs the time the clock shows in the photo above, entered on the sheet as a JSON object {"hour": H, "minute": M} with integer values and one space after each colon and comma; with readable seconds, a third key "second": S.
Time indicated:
{"hour": 4, "minute": 34}
